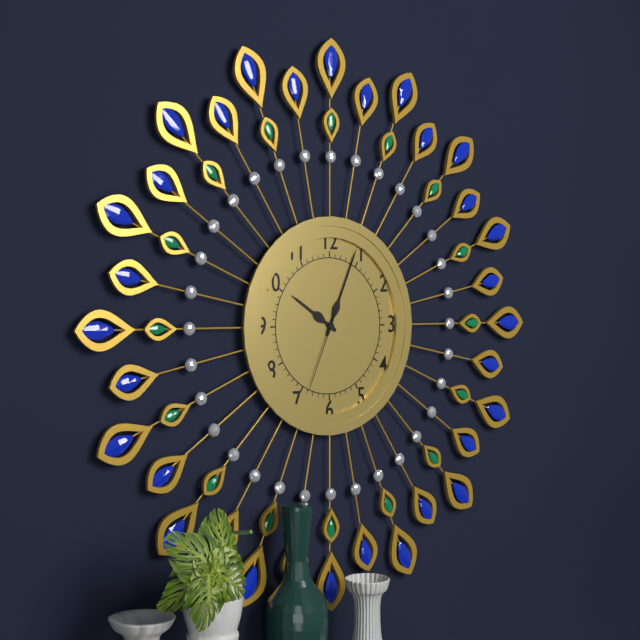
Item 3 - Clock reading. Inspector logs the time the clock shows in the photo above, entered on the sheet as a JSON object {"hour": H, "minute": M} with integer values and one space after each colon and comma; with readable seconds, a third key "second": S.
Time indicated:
{"hour": 10, "minute": 4, "second": 34}
